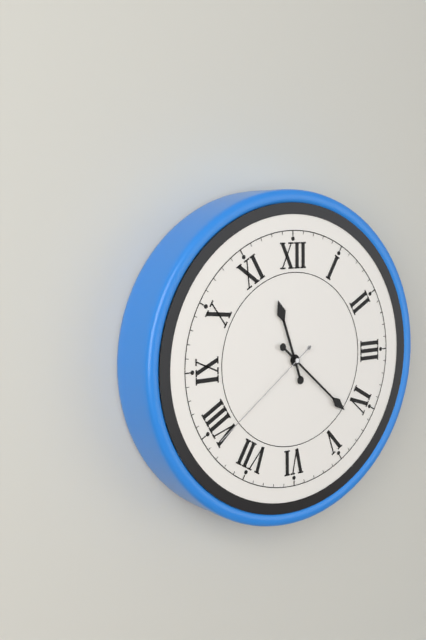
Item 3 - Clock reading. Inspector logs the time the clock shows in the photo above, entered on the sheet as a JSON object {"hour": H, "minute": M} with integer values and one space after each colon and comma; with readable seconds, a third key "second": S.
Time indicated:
{"hour": 11, "minute": 22, "second": 39}
